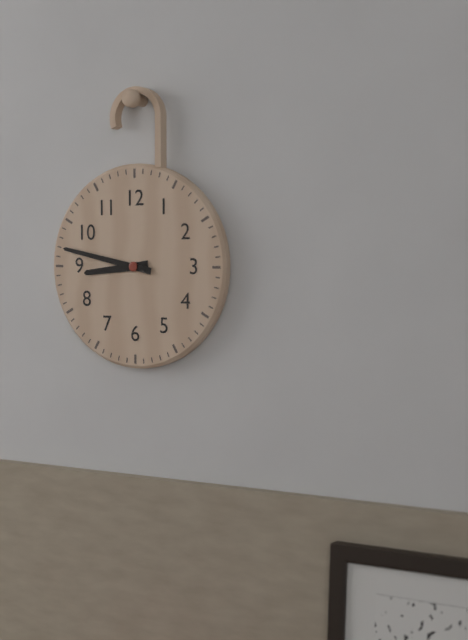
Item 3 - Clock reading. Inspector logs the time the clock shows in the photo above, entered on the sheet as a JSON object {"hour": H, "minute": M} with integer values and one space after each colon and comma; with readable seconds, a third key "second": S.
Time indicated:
{"hour": 8, "minute": 47}
